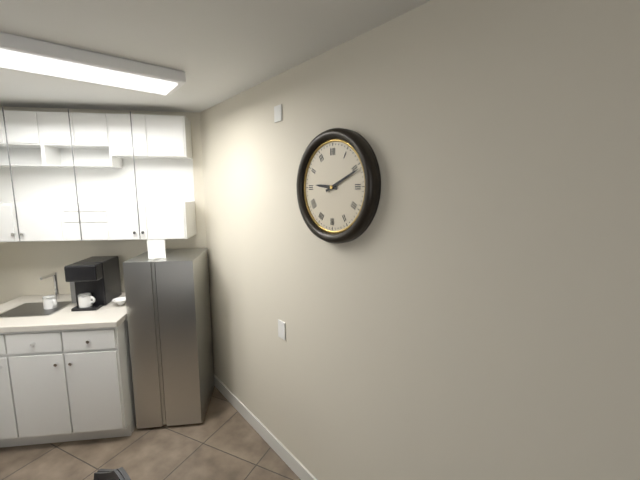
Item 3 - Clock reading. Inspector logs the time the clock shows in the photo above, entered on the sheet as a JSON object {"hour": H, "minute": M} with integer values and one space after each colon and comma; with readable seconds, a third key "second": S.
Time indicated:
{"hour": 9, "minute": 11}
